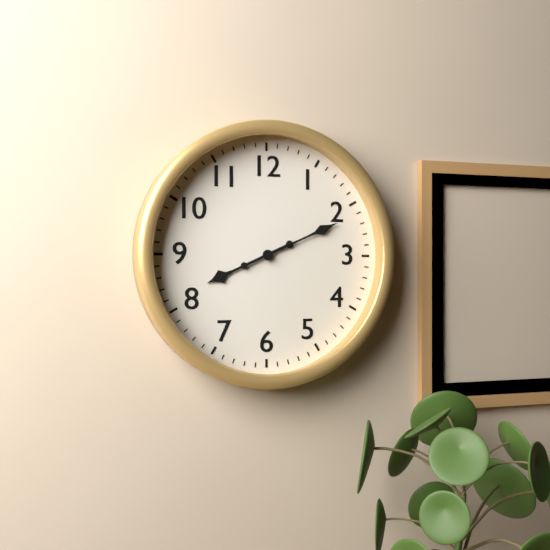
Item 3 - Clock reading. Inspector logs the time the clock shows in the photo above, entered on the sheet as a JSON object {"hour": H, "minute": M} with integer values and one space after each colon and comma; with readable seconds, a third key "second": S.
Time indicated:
{"hour": 8, "minute": 11}
